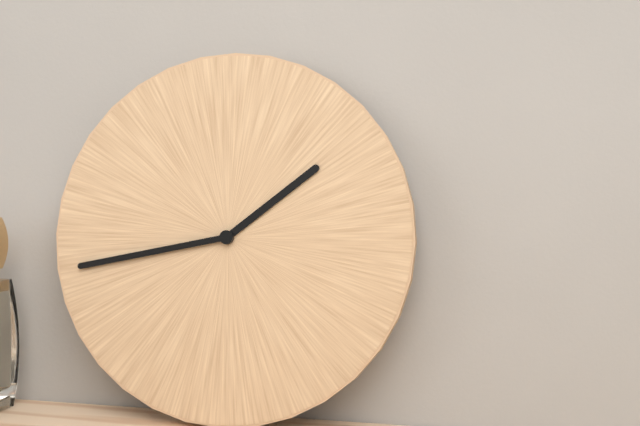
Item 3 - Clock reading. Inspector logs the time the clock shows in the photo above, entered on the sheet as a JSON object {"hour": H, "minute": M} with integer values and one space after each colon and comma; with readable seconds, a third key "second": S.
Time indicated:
{"hour": 1, "minute": 43}
